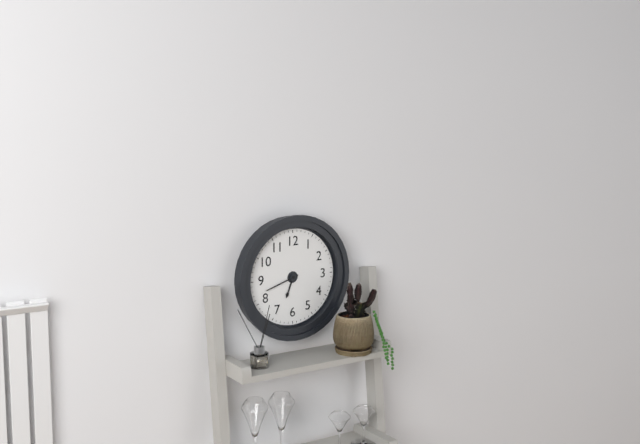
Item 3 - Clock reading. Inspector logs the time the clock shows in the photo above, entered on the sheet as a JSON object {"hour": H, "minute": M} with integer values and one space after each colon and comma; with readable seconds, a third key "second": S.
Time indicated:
{"hour": 6, "minute": 42}
